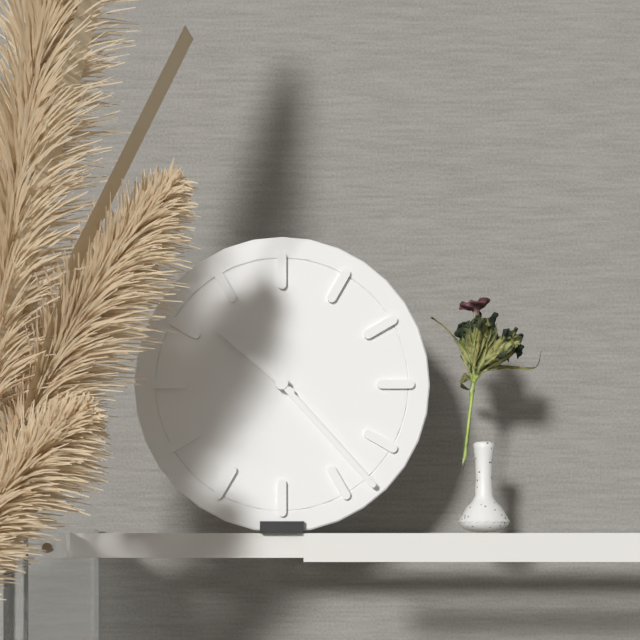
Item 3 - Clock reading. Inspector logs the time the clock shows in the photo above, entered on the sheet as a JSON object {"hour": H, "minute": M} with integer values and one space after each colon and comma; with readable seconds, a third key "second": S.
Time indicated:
{"hour": 10, "minute": 23}
